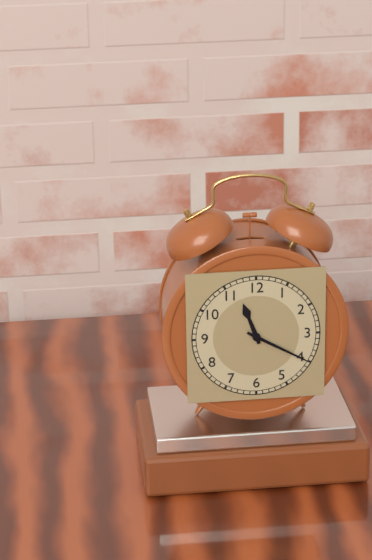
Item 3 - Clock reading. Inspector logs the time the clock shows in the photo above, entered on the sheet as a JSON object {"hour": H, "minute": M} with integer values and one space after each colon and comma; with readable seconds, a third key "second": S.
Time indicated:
{"hour": 11, "minute": 20}
